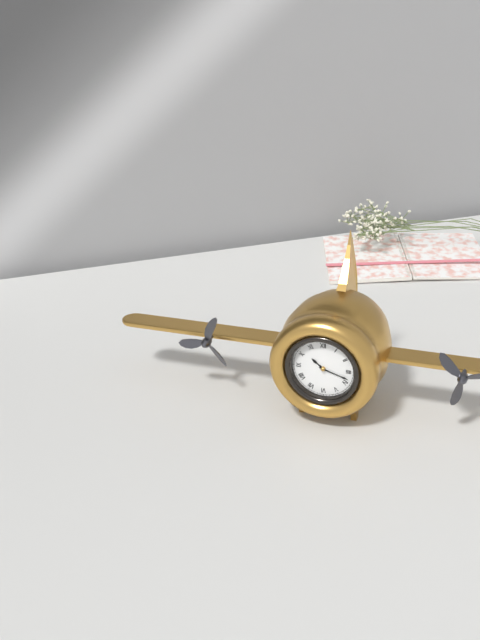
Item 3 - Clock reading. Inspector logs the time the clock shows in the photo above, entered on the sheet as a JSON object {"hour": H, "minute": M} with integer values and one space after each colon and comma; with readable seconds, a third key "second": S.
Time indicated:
{"hour": 10, "minute": 18}
